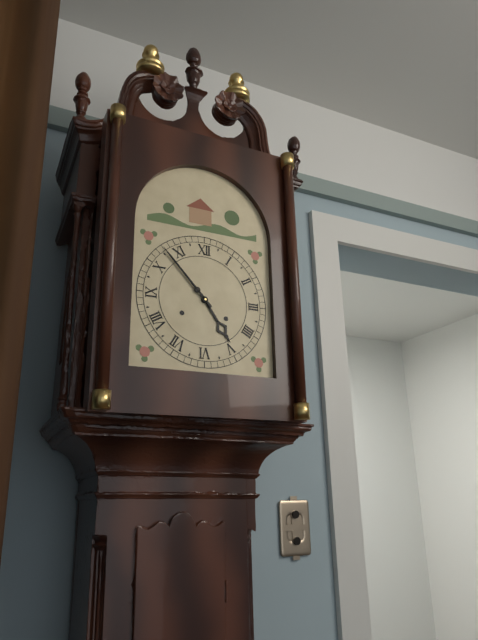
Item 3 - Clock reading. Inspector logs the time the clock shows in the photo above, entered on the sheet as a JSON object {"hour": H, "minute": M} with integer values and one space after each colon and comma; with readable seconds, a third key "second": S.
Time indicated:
{"hour": 4, "minute": 53}
